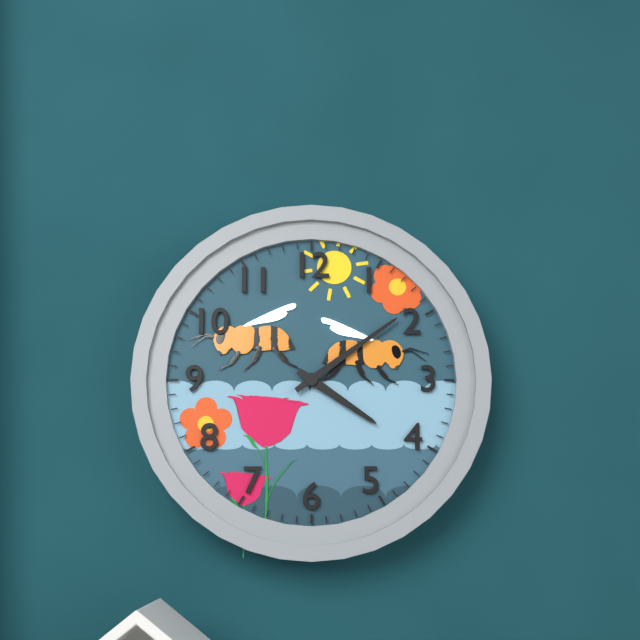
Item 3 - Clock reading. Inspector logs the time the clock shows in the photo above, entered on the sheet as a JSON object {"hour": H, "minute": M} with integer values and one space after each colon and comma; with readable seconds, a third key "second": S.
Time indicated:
{"hour": 4, "minute": 9}
